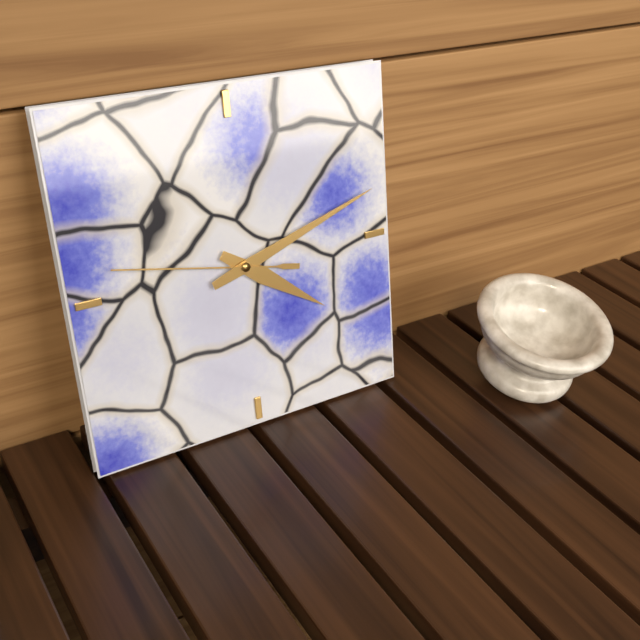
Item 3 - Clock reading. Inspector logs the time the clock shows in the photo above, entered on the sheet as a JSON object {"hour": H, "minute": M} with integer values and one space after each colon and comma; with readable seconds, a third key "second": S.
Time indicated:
{"hour": 4, "minute": 12, "second": 47}
